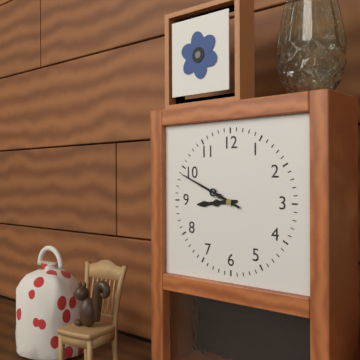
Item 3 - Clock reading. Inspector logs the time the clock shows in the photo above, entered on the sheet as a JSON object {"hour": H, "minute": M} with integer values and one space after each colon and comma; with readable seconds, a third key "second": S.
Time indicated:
{"hour": 8, "minute": 49}
